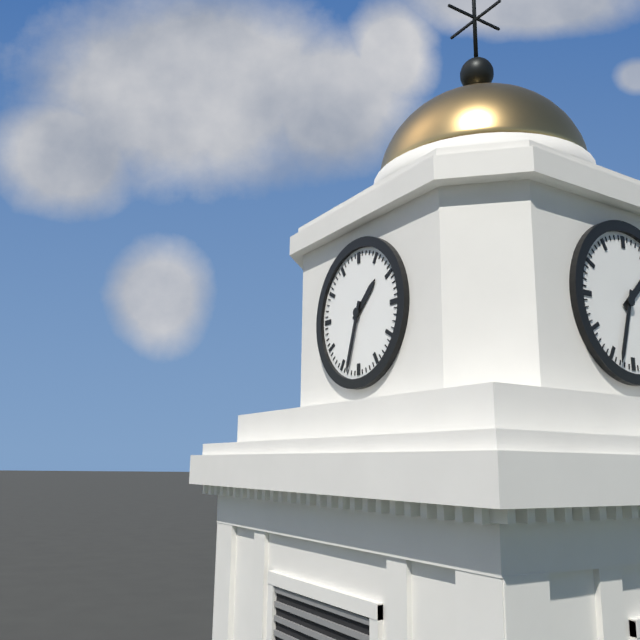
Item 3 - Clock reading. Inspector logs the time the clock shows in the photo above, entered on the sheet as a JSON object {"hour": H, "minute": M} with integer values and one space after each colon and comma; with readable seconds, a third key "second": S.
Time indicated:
{"hour": 1, "minute": 33}
